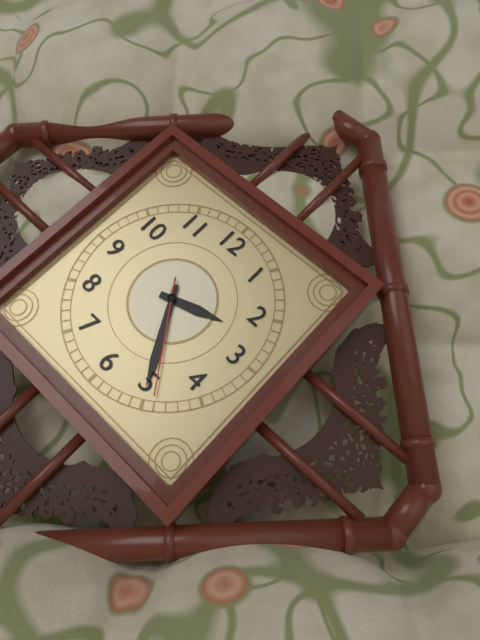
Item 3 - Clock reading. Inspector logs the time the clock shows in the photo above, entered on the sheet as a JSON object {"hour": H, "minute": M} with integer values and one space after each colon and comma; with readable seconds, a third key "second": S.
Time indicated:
{"hour": 2, "minute": 25, "second": 24}
